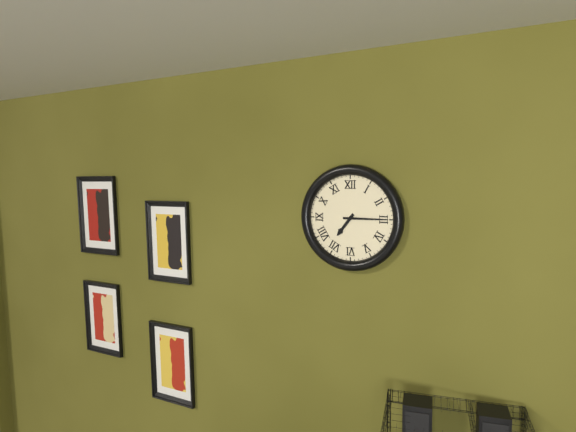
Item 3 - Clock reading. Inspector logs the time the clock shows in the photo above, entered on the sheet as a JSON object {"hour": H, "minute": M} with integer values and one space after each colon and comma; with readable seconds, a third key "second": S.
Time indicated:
{"hour": 7, "minute": 15}
